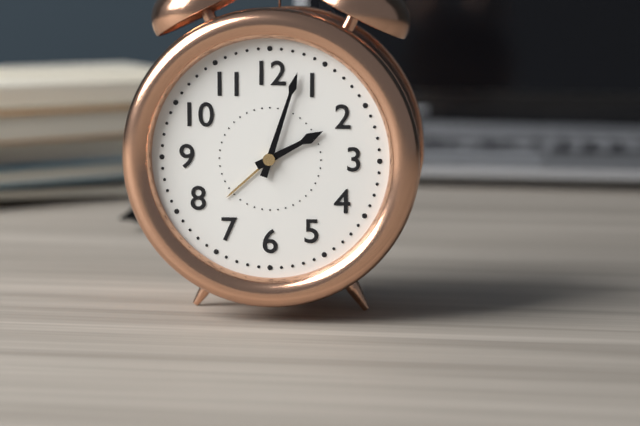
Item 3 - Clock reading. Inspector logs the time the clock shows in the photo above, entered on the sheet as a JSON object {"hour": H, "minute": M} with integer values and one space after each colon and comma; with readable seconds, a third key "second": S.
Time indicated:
{"hour": 2, "minute": 3}
